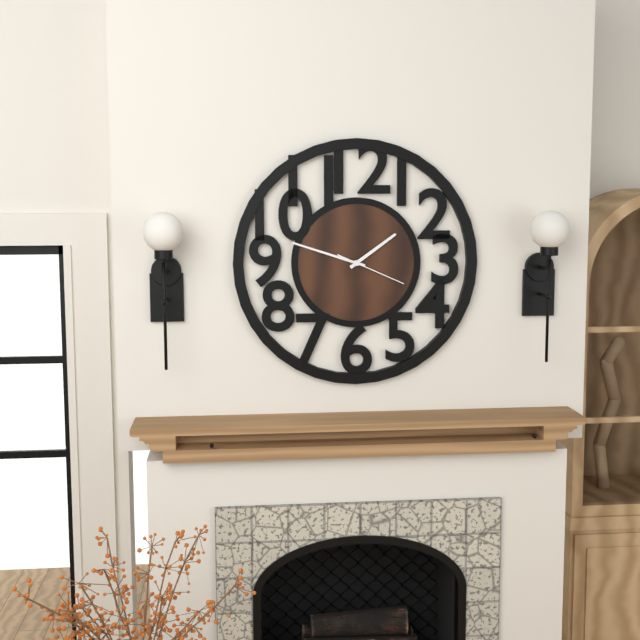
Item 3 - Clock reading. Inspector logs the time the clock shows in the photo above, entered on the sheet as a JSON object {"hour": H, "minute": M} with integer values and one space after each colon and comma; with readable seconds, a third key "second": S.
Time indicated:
{"hour": 1, "minute": 48, "second": 19}
